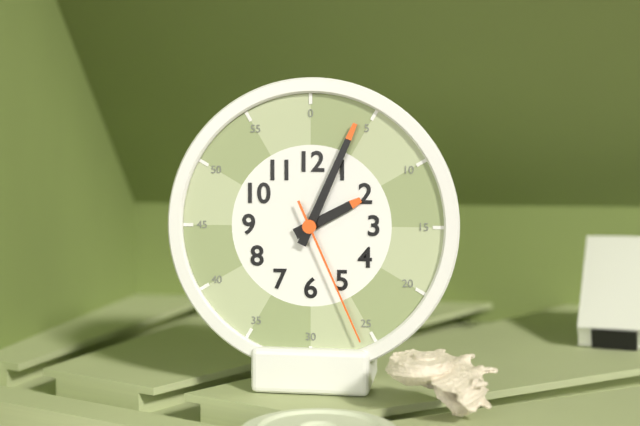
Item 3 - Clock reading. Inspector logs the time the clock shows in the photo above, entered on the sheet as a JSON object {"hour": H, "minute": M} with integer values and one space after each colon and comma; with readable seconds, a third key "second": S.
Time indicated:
{"hour": 2, "minute": 4, "second": 26}
